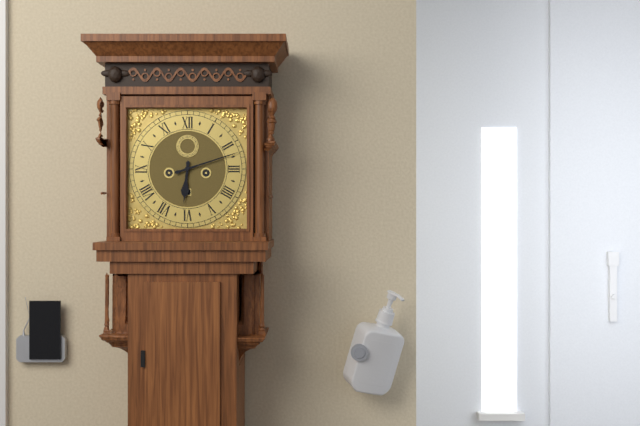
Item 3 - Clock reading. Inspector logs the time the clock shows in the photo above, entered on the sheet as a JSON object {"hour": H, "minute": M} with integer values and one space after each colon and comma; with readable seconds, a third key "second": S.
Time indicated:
{"hour": 6, "minute": 12}
